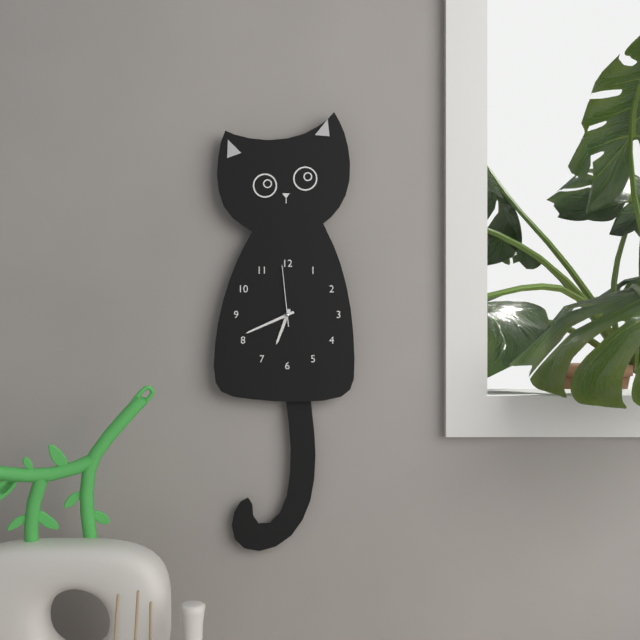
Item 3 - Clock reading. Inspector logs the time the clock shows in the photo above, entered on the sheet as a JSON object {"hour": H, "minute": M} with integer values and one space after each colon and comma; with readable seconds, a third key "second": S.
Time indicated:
{"hour": 6, "minute": 41, "second": 59}
